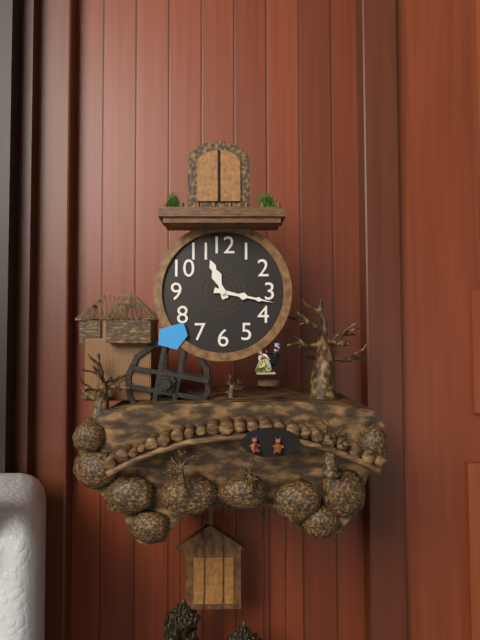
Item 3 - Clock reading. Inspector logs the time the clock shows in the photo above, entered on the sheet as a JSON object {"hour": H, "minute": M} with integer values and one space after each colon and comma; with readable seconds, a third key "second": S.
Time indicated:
{"hour": 11, "minute": 17}
